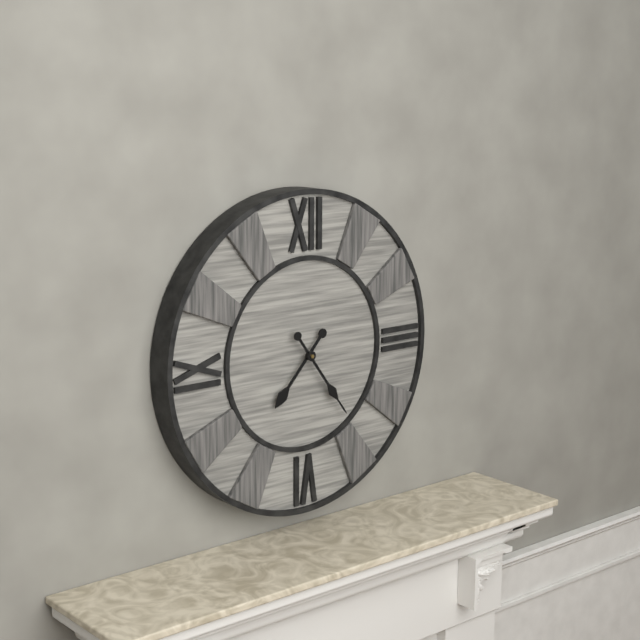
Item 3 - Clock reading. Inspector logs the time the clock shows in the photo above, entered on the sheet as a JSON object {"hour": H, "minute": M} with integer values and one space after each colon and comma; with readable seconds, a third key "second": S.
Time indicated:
{"hour": 7, "minute": 24}
